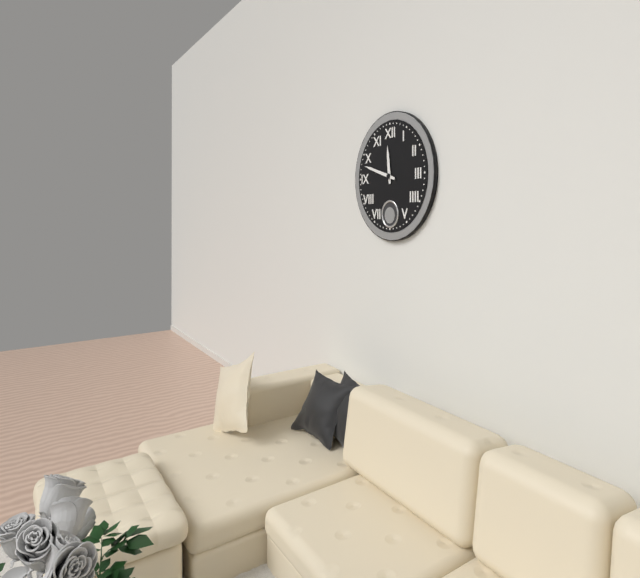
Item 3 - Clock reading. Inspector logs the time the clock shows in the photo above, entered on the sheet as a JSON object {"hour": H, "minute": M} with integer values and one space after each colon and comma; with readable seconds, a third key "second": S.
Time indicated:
{"hour": 11, "minute": 48}
